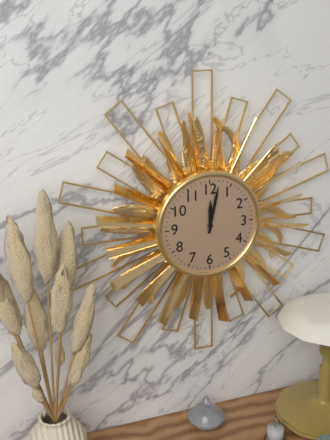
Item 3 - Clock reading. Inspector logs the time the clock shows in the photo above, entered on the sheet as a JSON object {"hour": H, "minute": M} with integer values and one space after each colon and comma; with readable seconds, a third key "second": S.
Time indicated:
{"hour": 12, "minute": 2}
